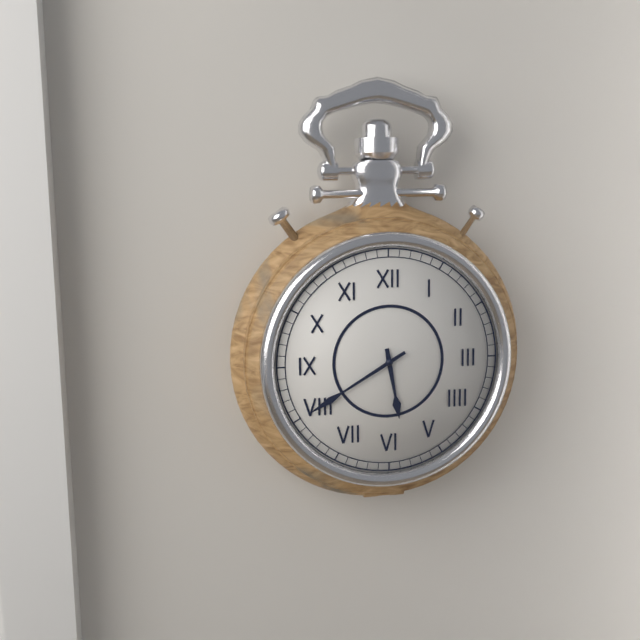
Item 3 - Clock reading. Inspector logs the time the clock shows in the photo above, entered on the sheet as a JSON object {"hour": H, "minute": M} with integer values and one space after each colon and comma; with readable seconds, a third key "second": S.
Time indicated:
{"hour": 5, "minute": 40}
